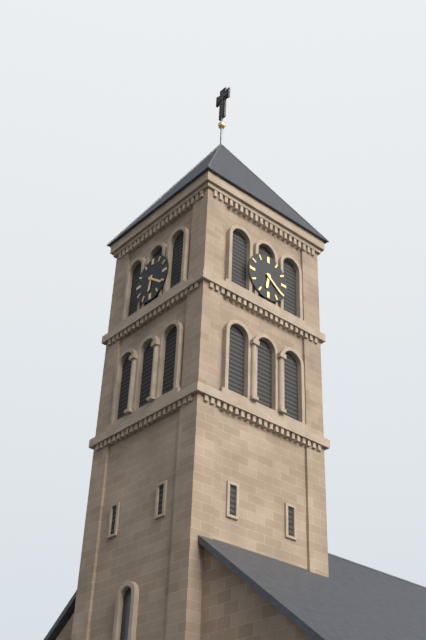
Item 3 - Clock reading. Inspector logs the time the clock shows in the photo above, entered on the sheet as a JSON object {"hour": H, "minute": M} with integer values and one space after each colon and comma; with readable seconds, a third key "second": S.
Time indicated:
{"hour": 6, "minute": 21}
